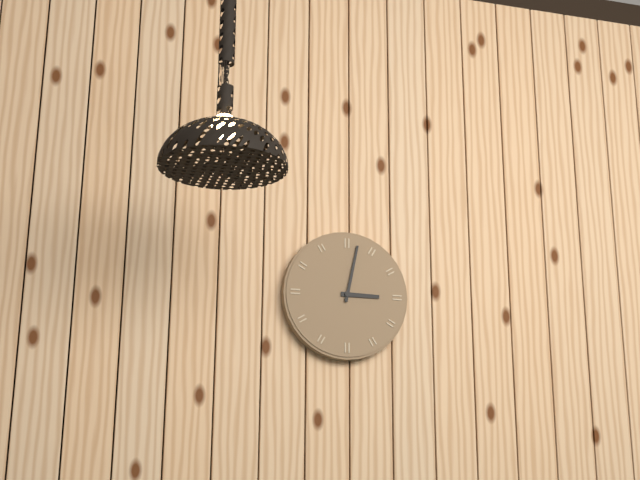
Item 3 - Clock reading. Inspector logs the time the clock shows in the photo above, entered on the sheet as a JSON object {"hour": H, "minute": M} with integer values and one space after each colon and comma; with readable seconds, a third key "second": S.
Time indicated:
{"hour": 3, "minute": 2}
